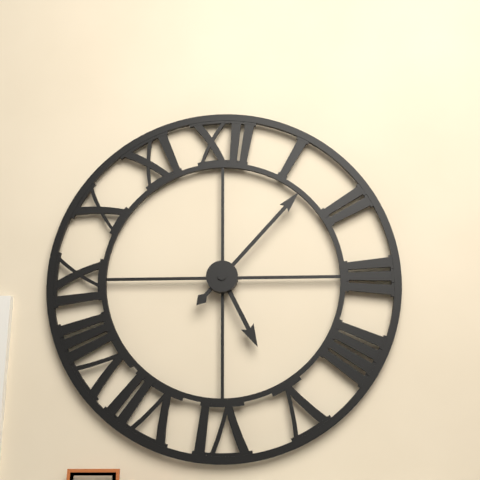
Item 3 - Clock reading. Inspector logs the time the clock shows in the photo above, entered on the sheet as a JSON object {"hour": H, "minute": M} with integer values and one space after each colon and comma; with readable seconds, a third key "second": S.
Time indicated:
{"hour": 5, "minute": 7}
